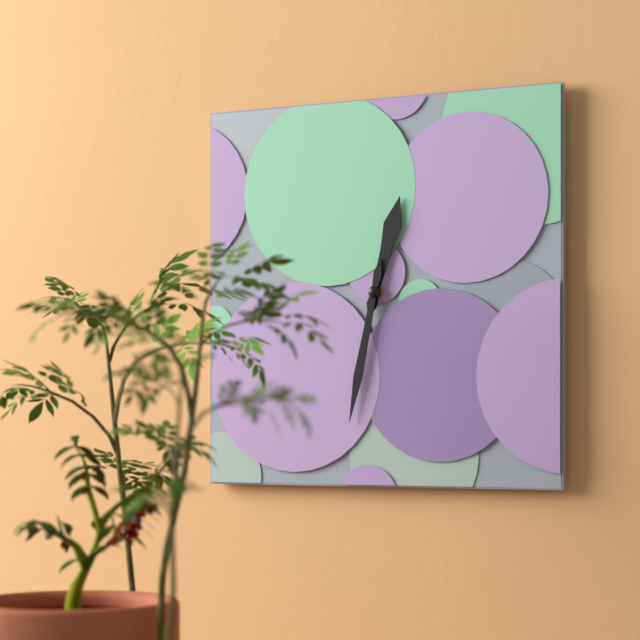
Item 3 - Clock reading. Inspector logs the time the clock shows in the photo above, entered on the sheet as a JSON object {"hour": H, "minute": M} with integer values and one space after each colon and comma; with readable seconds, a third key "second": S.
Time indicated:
{"hour": 12, "minute": 32}
